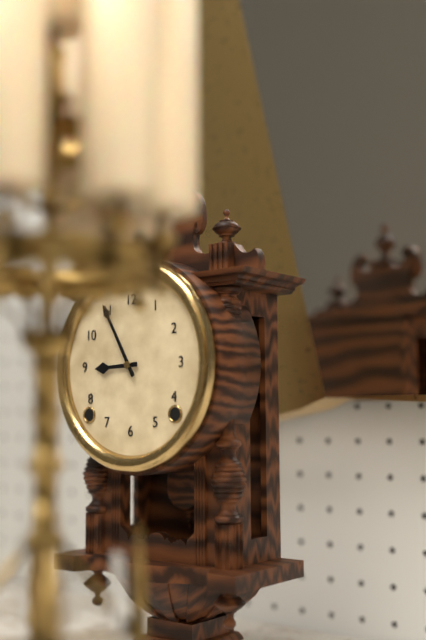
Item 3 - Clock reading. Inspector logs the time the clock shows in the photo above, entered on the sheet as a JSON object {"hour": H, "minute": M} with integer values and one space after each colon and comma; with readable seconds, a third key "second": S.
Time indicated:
{"hour": 8, "minute": 55}
